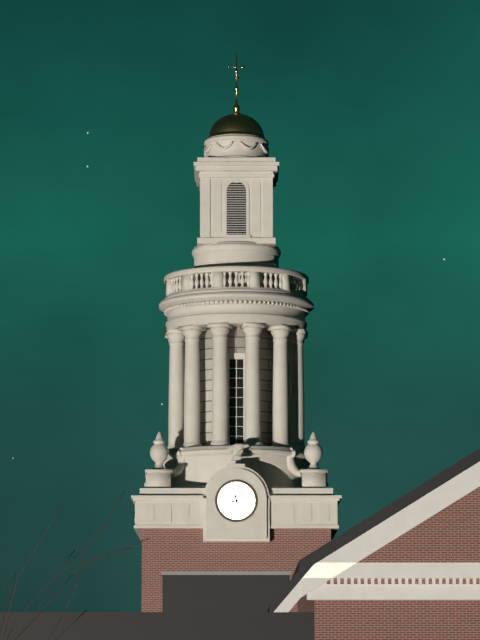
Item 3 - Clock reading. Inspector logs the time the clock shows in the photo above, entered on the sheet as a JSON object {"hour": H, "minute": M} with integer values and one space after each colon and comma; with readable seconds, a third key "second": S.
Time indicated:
{"hour": 11, "minute": 43}
